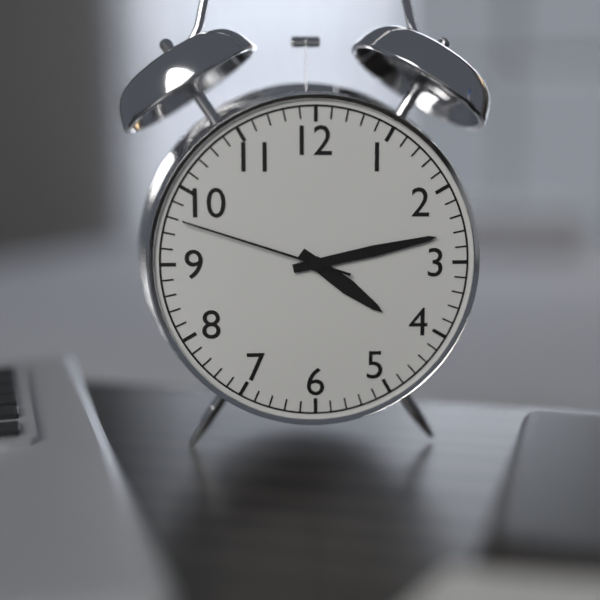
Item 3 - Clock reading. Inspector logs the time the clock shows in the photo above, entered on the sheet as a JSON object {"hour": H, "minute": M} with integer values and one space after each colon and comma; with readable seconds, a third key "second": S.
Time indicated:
{"hour": 4, "minute": 13, "second": 48}
